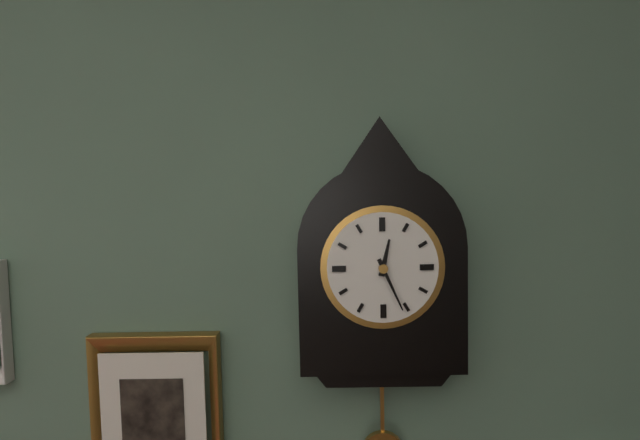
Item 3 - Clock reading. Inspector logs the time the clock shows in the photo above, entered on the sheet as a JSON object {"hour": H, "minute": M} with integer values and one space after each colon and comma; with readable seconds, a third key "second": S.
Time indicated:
{"hour": 12, "minute": 26}
